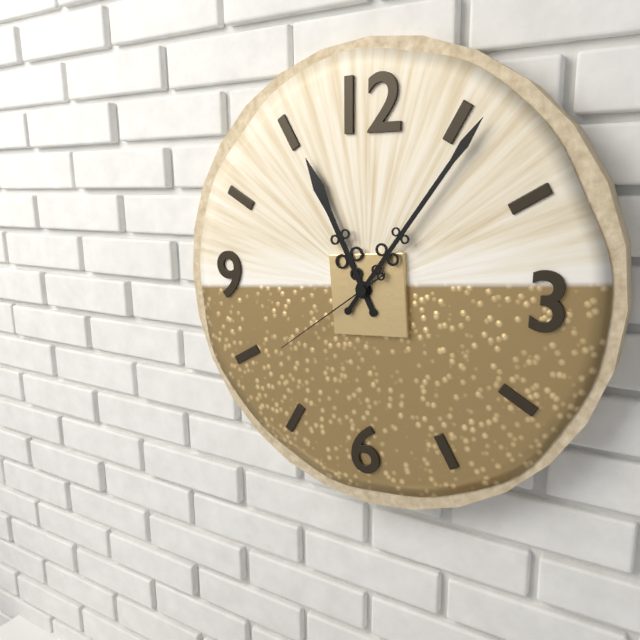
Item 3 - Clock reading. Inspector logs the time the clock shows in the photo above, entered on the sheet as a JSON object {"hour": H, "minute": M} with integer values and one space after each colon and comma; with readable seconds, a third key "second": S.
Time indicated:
{"hour": 11, "minute": 6, "second": 39}
